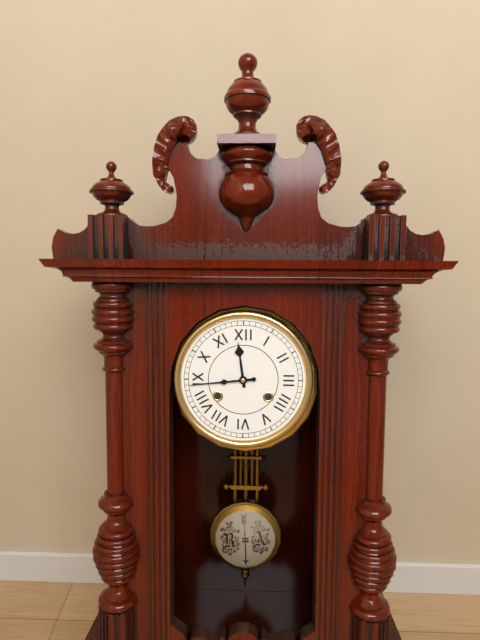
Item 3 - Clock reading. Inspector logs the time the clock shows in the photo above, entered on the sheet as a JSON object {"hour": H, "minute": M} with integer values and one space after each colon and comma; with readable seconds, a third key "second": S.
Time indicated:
{"hour": 11, "minute": 44}
